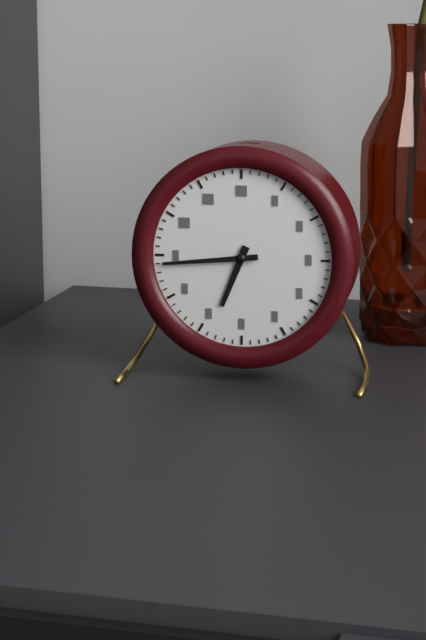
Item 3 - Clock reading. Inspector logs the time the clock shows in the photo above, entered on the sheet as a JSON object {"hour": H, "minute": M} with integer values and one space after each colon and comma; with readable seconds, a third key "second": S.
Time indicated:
{"hour": 6, "minute": 44}
